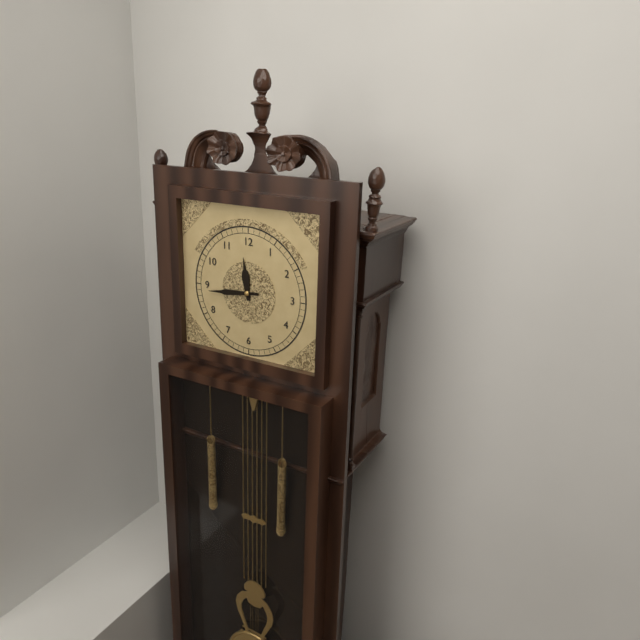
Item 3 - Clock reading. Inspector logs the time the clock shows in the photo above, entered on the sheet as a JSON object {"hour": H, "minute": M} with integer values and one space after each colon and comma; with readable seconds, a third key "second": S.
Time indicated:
{"hour": 11, "minute": 44}
